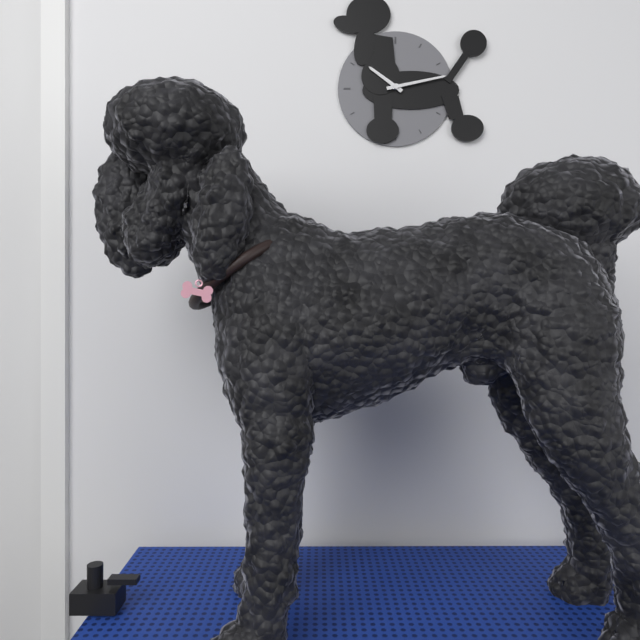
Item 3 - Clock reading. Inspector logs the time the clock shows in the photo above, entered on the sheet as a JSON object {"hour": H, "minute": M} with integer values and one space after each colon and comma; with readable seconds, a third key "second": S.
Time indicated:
{"hour": 10, "minute": 13}
